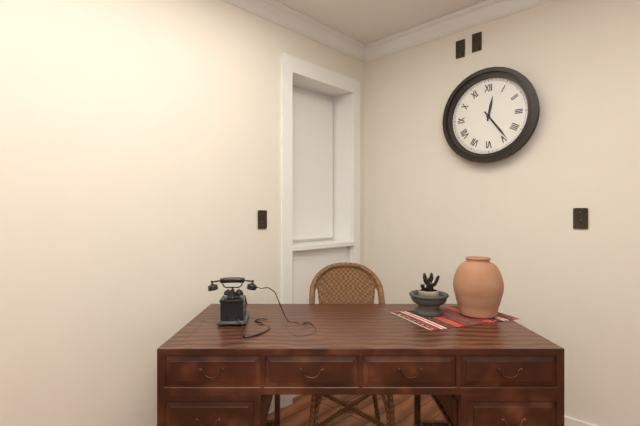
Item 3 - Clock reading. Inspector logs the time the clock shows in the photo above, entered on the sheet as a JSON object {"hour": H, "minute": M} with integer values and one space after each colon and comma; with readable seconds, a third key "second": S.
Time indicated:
{"hour": 12, "minute": 24}
